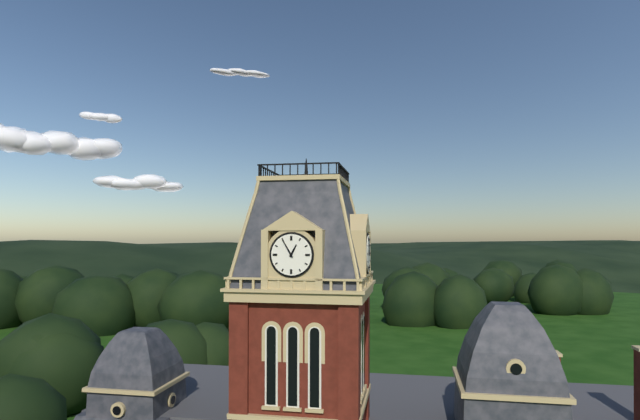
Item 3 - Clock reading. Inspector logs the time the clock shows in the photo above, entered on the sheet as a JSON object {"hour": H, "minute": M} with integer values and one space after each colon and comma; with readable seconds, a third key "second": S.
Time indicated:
{"hour": 12, "minute": 55}
